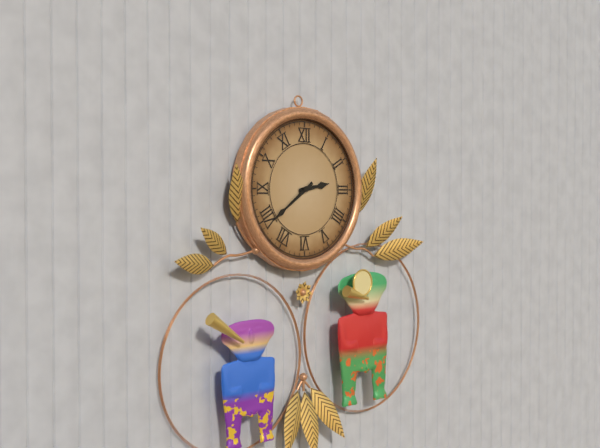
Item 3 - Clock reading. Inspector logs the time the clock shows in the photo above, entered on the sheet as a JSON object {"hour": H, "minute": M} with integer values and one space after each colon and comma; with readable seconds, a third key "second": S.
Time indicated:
{"hour": 2, "minute": 39}
